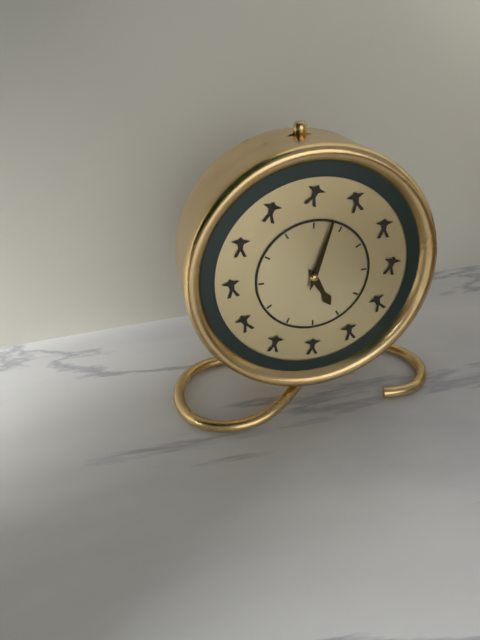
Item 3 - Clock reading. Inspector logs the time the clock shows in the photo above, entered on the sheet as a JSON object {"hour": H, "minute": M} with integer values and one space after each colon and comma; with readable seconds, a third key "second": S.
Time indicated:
{"hour": 5, "minute": 3}
